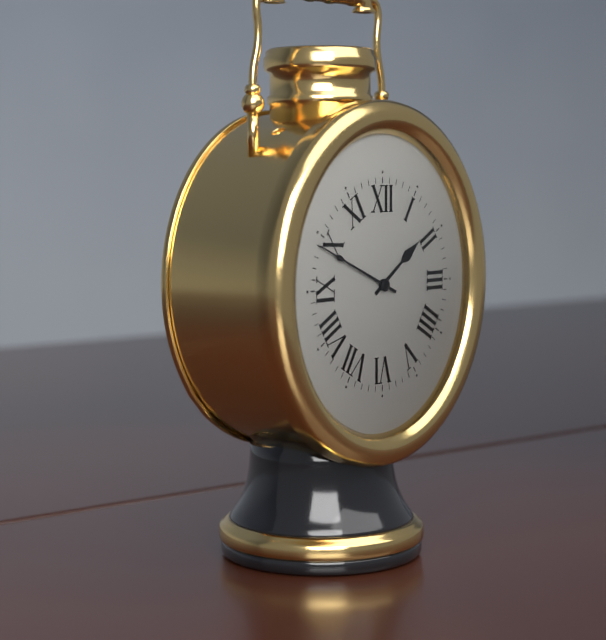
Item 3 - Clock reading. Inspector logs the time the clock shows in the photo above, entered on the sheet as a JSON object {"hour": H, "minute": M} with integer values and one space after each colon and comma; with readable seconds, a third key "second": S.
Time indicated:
{"hour": 1, "minute": 49}
